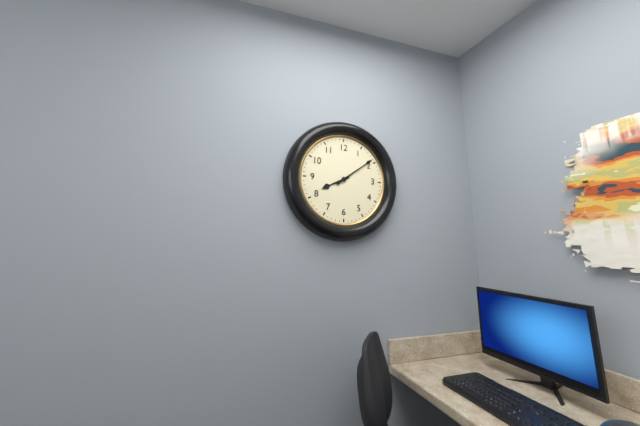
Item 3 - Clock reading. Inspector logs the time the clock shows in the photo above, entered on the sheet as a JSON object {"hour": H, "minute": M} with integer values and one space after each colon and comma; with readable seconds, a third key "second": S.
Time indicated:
{"hour": 8, "minute": 9}
